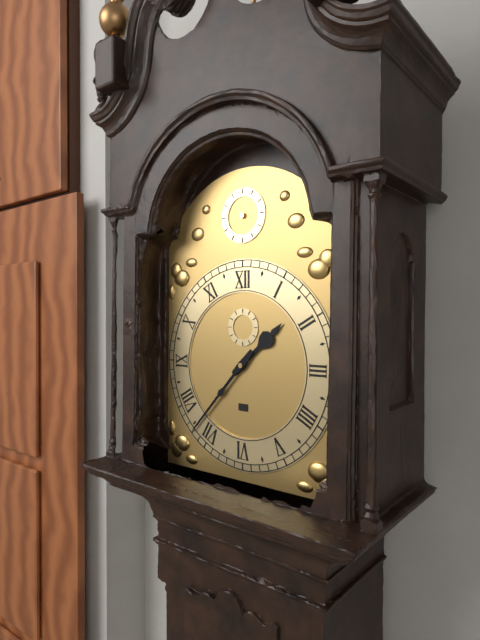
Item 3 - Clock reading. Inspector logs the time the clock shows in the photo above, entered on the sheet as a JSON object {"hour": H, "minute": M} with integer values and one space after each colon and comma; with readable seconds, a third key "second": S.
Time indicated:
{"hour": 1, "minute": 37}
